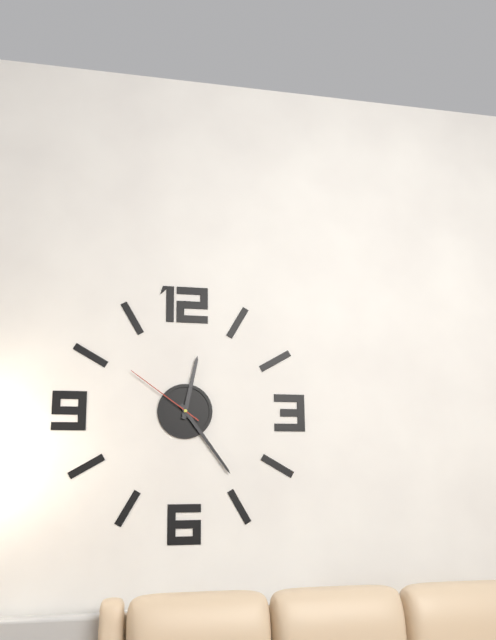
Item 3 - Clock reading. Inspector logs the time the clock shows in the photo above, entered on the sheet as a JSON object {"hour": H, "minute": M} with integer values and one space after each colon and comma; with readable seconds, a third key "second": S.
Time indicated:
{"hour": 12, "minute": 24, "second": 51}
